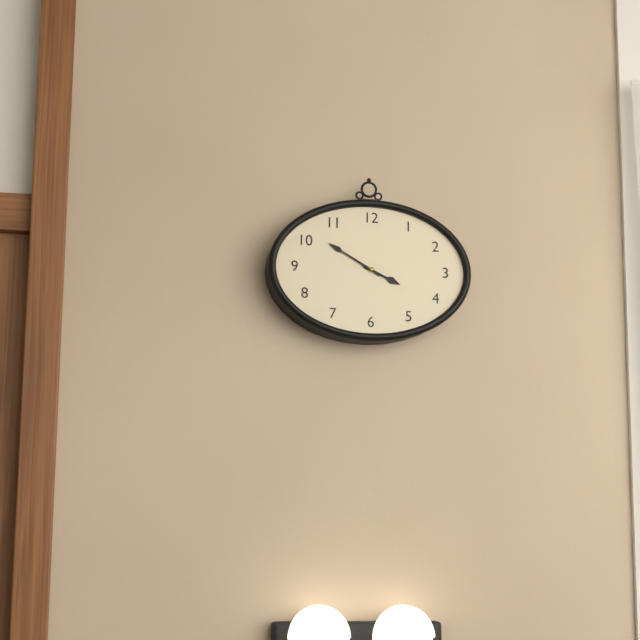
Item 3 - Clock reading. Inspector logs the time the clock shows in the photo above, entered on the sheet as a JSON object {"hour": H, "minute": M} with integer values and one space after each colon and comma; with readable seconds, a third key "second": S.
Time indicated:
{"hour": 3, "minute": 50}
